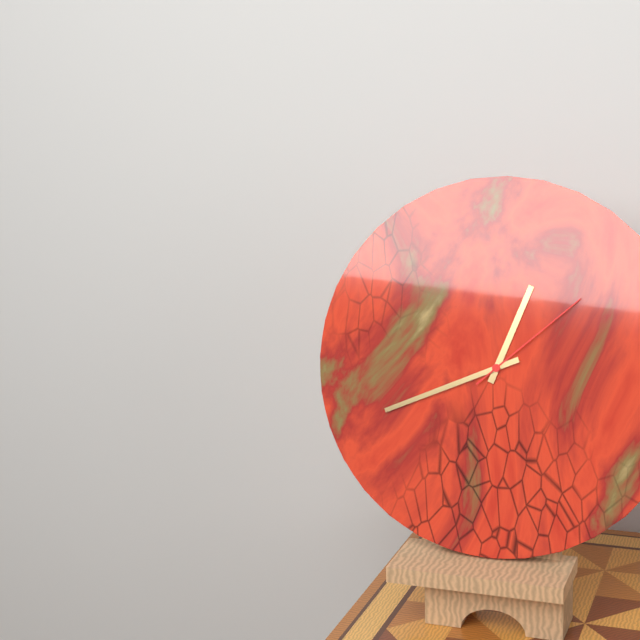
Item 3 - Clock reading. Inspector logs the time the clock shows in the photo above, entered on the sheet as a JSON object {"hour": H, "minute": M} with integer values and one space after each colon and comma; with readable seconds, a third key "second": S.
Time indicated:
{"hour": 12, "minute": 41, "second": 8}
